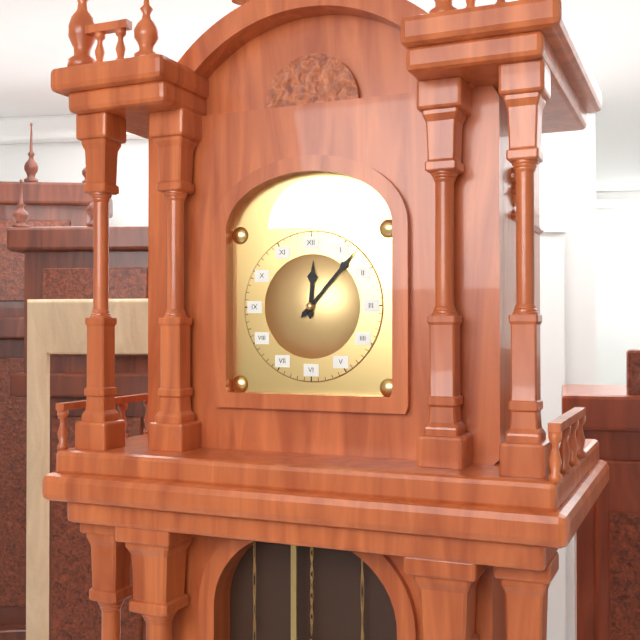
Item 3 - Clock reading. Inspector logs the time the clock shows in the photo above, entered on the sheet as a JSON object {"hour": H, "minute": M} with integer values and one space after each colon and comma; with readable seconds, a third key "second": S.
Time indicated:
{"hour": 12, "minute": 7}
